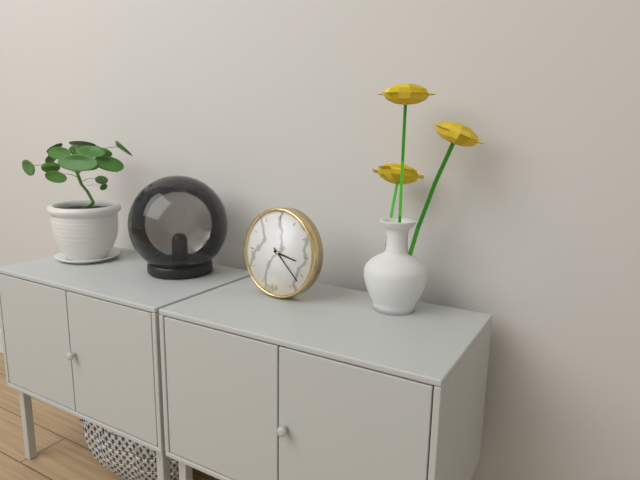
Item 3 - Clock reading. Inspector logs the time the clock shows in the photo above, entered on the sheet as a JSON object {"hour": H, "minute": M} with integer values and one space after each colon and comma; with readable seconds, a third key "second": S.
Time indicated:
{"hour": 3, "minute": 22}
